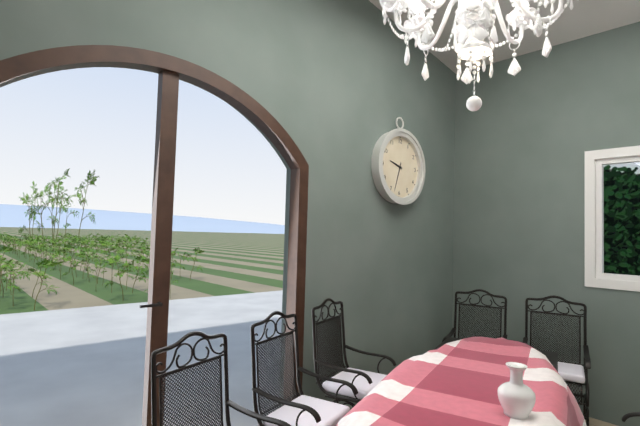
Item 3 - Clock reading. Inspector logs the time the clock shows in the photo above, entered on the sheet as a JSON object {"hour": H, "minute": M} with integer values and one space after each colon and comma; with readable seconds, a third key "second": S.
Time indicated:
{"hour": 9, "minute": 33}
